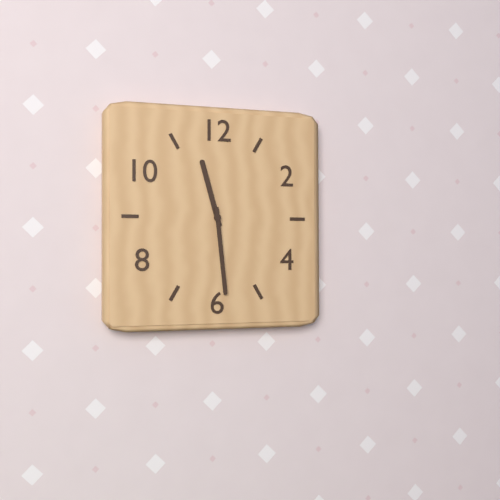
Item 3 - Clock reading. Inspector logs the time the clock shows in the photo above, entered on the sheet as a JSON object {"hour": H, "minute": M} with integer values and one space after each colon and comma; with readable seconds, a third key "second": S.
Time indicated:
{"hour": 11, "minute": 29}
